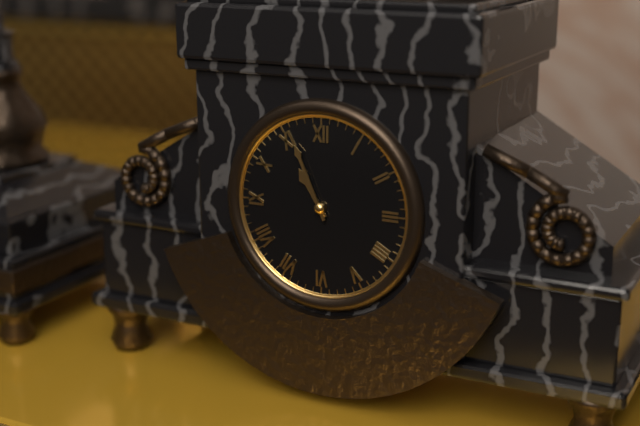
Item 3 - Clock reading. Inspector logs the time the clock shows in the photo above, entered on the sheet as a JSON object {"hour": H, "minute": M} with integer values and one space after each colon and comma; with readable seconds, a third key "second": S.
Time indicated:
{"hour": 10, "minute": 56}
